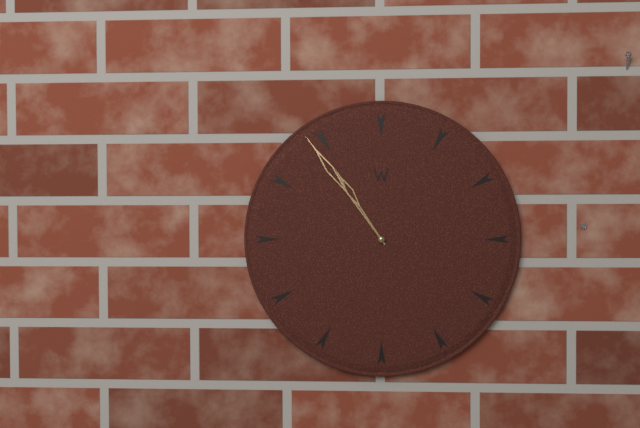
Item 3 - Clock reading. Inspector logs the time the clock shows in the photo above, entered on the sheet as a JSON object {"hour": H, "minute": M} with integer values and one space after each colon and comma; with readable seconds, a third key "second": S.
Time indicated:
{"hour": 10, "minute": 54}
